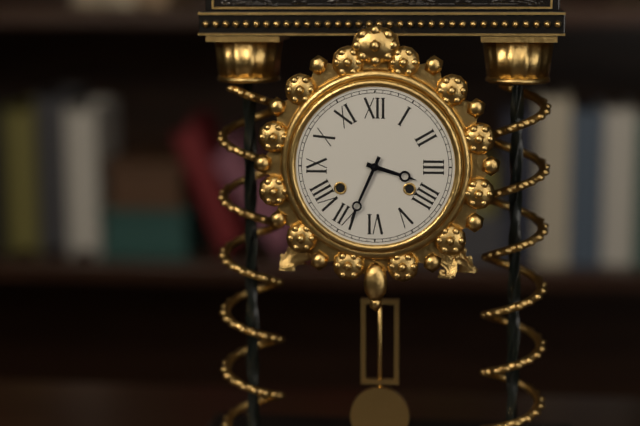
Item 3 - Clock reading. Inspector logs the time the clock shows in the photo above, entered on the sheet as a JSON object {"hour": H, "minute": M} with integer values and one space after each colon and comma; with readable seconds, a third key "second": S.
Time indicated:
{"hour": 3, "minute": 34}
